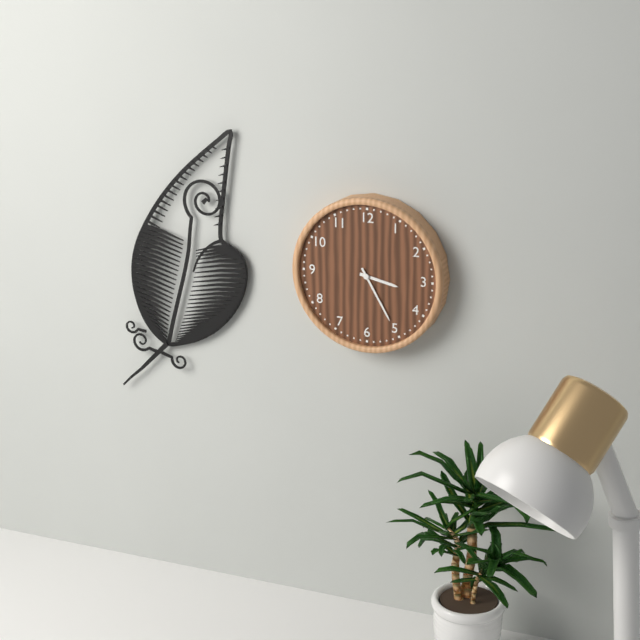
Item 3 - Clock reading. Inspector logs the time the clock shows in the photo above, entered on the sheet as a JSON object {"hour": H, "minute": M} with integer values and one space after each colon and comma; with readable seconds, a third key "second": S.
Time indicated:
{"hour": 3, "minute": 25}
